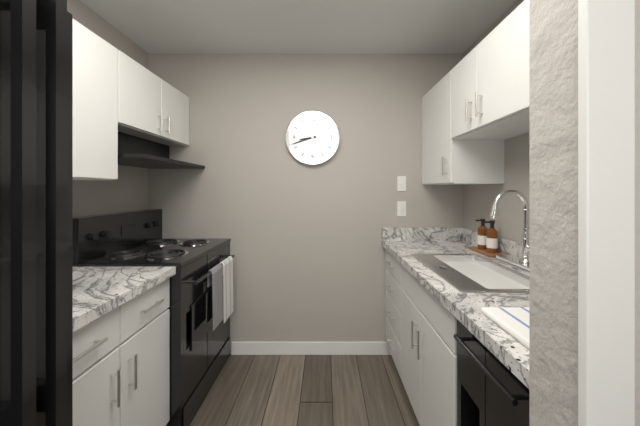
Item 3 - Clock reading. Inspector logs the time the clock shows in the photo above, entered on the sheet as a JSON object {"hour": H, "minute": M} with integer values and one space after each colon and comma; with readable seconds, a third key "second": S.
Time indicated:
{"hour": 8, "minute": 42}
